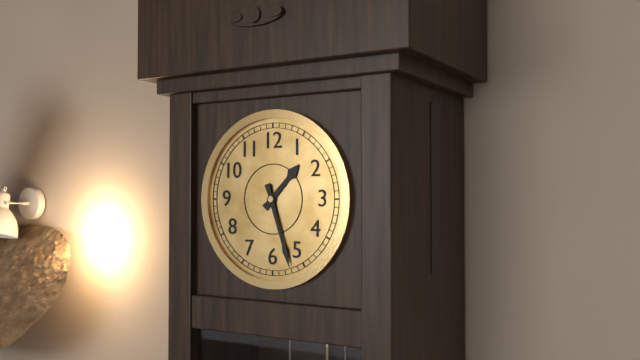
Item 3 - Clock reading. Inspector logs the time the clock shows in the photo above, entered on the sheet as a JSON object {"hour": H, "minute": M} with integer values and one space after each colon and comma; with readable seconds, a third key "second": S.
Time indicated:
{"hour": 1, "minute": 27}
